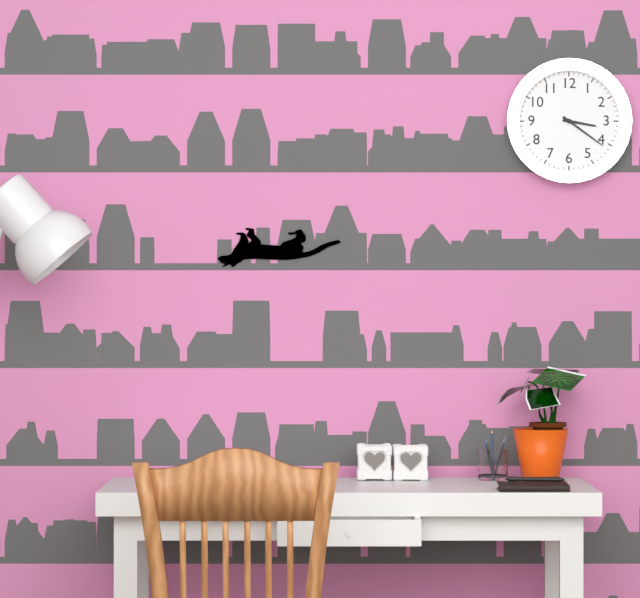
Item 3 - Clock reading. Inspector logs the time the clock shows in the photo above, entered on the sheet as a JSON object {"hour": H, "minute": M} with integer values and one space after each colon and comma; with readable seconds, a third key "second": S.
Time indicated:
{"hour": 3, "minute": 21}
